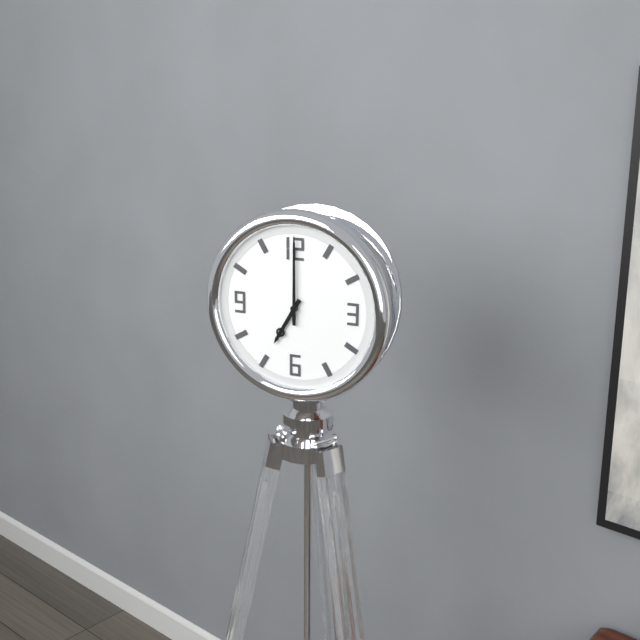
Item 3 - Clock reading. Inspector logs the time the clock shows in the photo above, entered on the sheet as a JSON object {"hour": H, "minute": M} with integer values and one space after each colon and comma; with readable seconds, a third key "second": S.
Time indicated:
{"hour": 7, "minute": 0}
